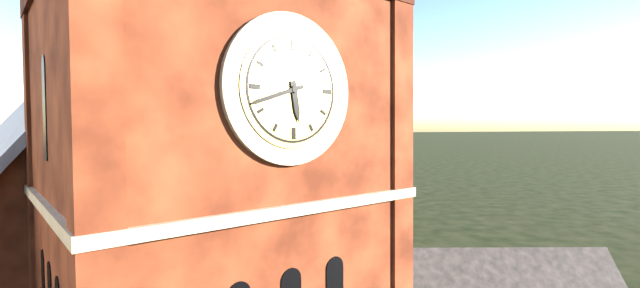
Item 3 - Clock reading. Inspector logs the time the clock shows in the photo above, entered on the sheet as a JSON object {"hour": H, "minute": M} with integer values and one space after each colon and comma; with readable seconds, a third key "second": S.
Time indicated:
{"hour": 5, "minute": 42}
